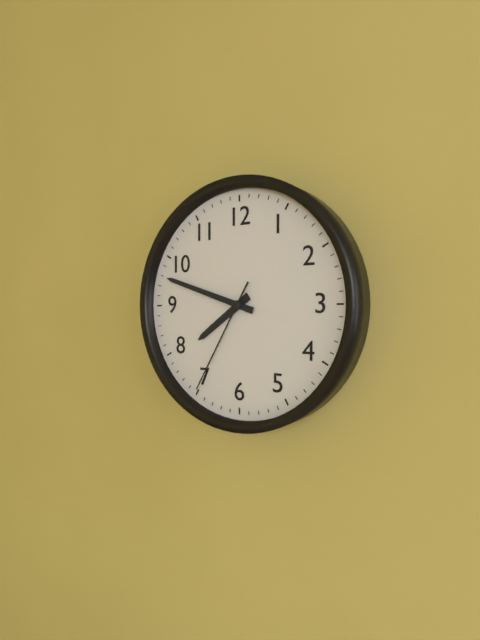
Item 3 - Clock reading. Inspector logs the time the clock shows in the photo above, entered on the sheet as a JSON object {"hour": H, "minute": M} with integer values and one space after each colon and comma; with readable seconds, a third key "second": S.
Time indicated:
{"hour": 7, "minute": 48, "second": 35}
